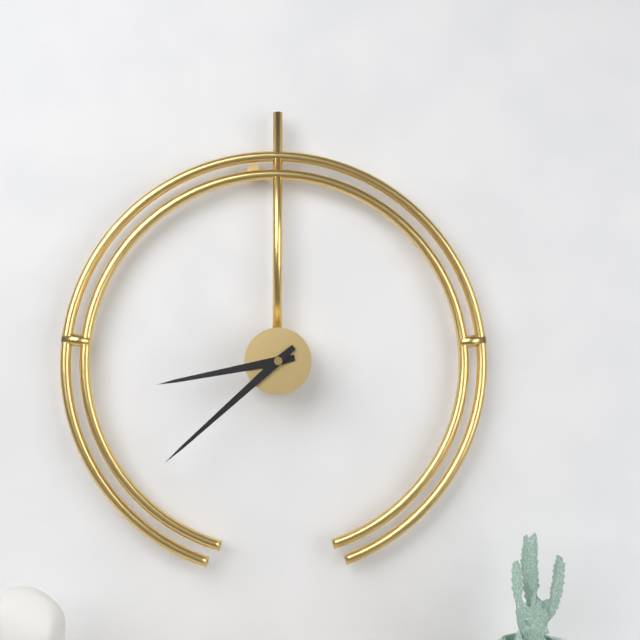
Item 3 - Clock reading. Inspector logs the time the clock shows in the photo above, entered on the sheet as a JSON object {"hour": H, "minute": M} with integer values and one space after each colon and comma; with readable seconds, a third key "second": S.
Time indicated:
{"hour": 8, "minute": 38}
